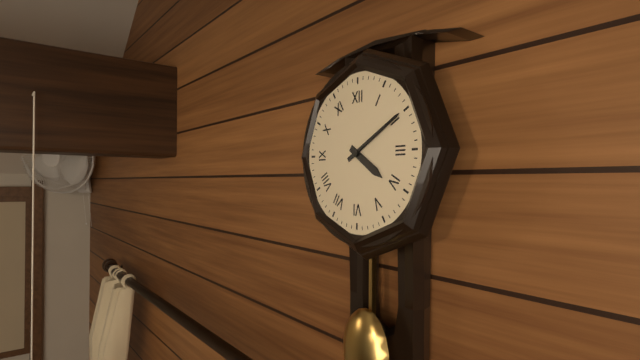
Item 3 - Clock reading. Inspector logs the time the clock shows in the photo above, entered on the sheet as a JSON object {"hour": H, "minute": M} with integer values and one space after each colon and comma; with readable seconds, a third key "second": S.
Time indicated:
{"hour": 4, "minute": 10}
